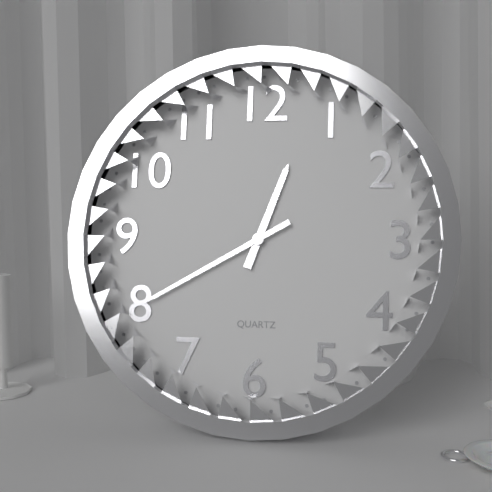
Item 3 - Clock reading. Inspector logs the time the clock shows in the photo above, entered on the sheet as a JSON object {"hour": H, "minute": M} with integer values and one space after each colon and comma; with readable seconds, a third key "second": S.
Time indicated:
{"hour": 12, "minute": 40}
